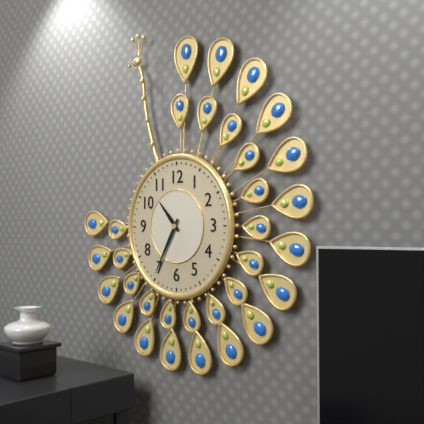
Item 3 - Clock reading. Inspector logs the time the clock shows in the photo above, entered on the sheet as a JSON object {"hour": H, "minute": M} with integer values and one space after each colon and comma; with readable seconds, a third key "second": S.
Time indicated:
{"hour": 10, "minute": 35}
